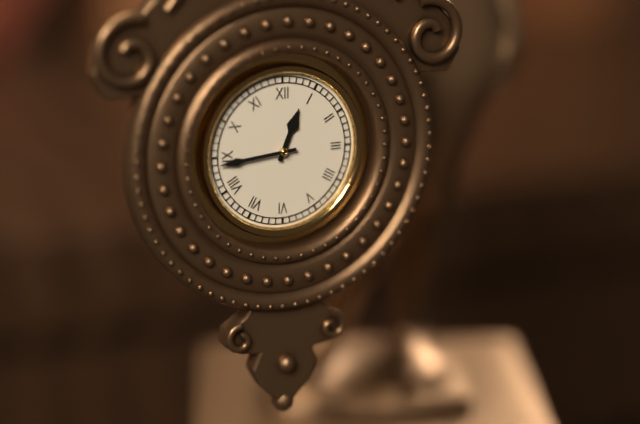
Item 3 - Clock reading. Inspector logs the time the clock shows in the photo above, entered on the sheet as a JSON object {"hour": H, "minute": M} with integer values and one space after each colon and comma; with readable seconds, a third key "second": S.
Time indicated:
{"hour": 12, "minute": 44}
